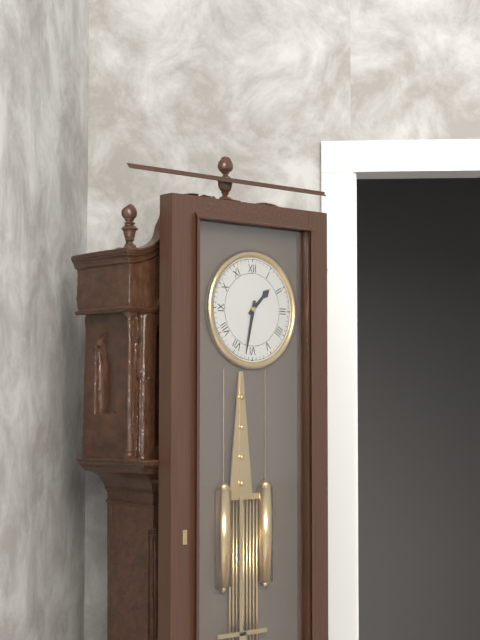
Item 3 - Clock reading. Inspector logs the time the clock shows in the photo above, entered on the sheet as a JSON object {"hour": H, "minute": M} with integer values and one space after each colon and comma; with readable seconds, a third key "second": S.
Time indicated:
{"hour": 1, "minute": 32}
